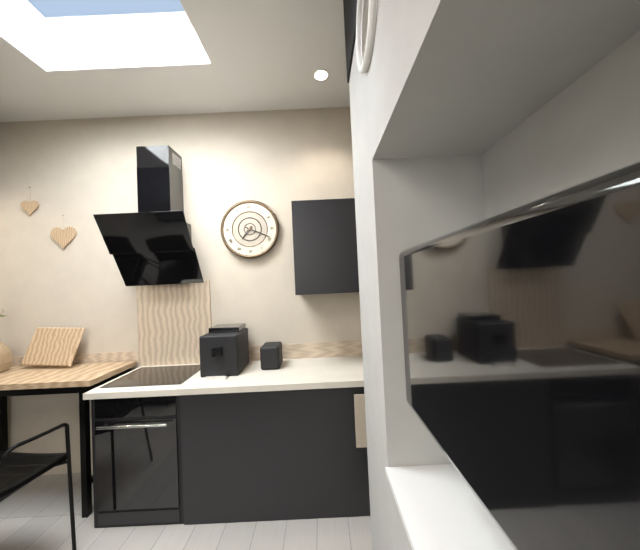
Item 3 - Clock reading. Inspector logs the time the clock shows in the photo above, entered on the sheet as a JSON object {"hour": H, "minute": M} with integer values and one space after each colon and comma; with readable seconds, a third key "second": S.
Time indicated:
{"hour": 7, "minute": 19}
